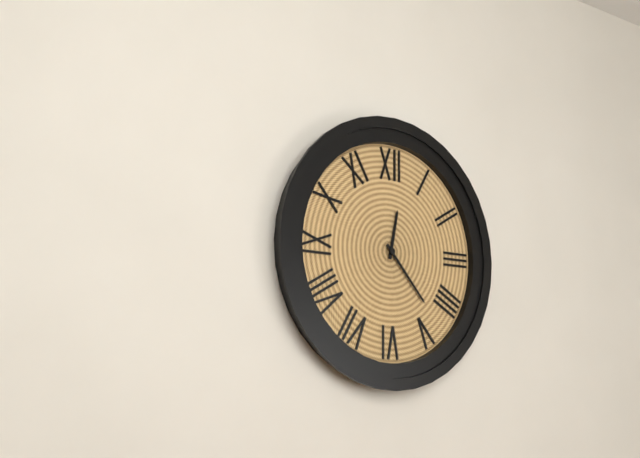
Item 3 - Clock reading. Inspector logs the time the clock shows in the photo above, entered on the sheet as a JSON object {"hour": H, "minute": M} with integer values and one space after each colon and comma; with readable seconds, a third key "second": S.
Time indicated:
{"hour": 12, "minute": 23}
